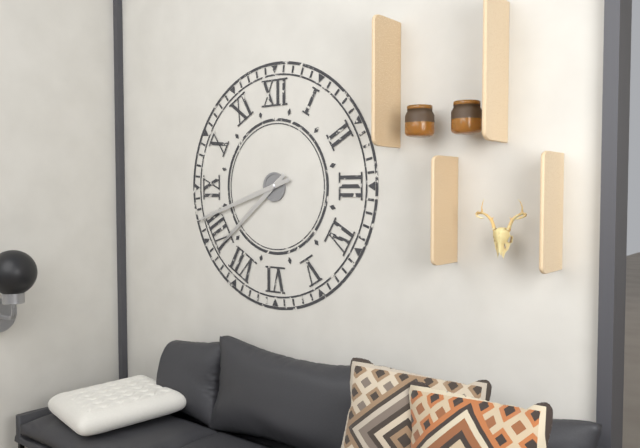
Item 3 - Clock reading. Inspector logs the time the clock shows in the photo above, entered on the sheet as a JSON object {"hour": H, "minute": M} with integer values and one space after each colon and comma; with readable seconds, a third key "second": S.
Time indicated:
{"hour": 7, "minute": 42}
